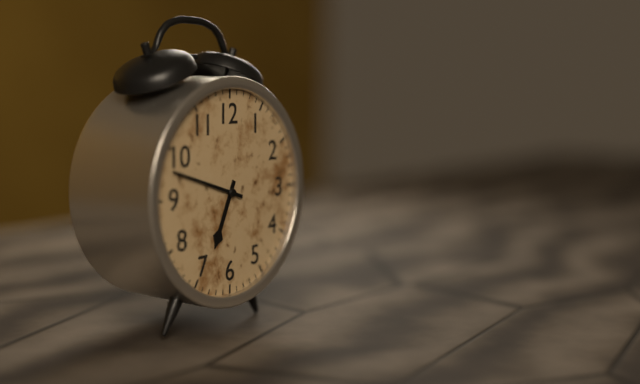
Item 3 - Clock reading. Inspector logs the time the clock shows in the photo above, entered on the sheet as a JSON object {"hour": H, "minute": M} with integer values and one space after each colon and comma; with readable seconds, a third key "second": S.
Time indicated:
{"hour": 6, "minute": 48}
